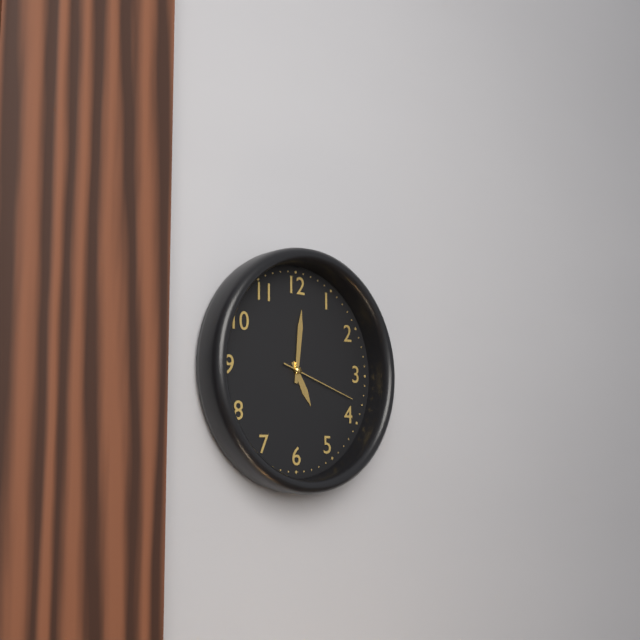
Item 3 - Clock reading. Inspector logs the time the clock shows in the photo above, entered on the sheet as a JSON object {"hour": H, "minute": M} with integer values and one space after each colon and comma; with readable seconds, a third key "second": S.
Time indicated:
{"hour": 5, "minute": 1, "second": 18}
